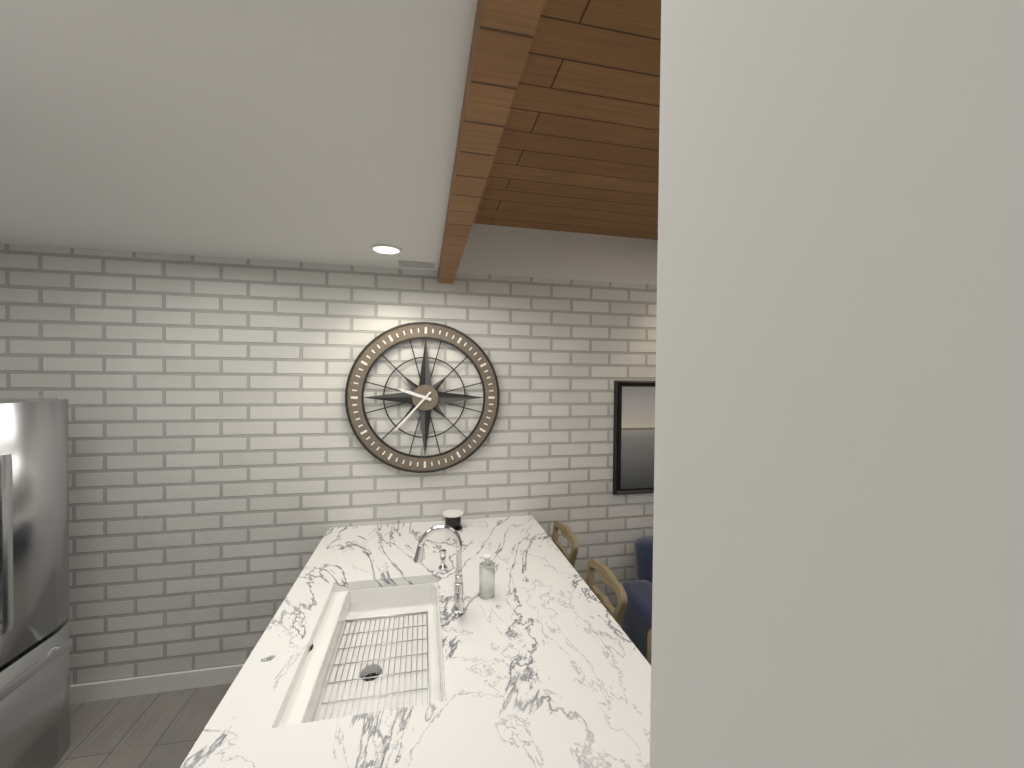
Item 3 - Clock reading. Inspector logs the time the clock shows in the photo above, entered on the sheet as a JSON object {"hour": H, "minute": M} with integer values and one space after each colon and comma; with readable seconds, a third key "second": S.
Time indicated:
{"hour": 9, "minute": 37}
